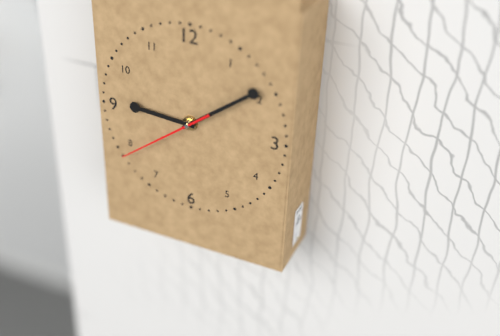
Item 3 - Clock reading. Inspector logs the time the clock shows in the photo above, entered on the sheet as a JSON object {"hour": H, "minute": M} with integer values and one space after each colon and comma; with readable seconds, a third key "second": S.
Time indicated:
{"hour": 9, "minute": 9, "second": 39}
